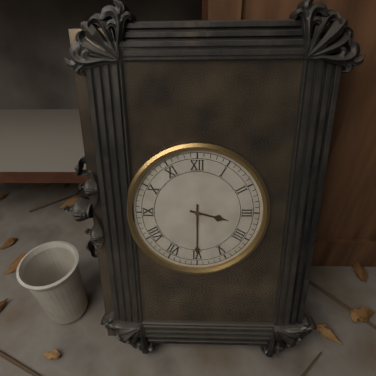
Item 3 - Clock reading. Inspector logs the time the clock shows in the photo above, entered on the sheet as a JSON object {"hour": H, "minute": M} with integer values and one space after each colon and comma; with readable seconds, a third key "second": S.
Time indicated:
{"hour": 3, "minute": 30}
